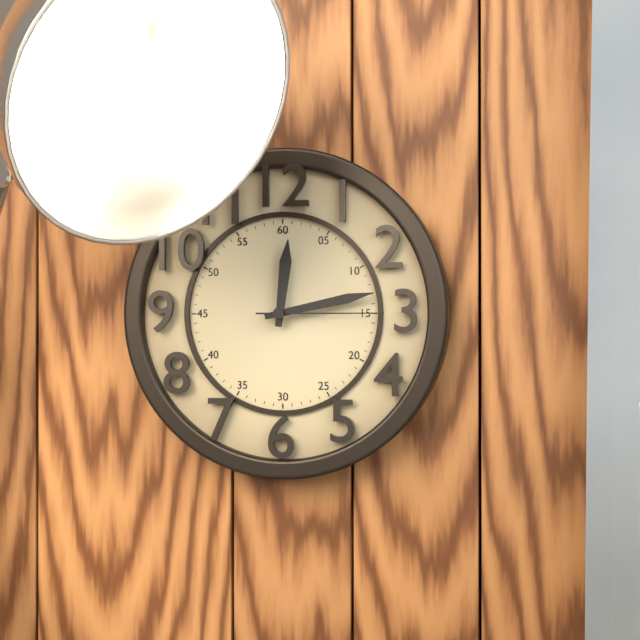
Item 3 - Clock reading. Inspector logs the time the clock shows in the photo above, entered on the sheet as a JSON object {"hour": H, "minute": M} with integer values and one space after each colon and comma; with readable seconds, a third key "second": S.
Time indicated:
{"hour": 12, "minute": 13, "second": 15}
